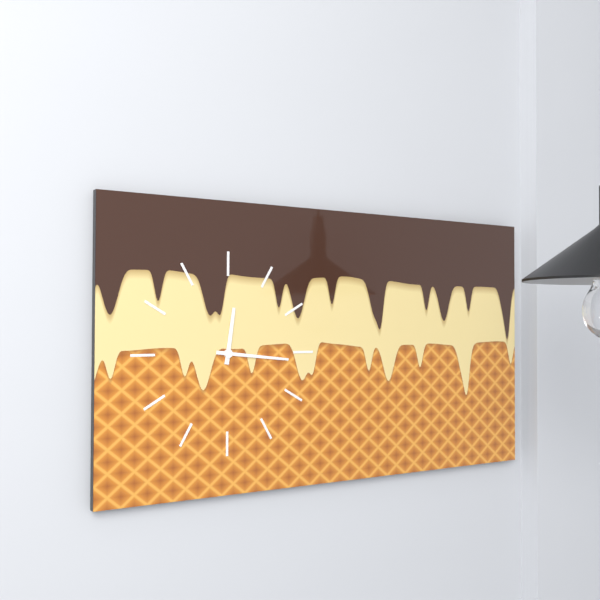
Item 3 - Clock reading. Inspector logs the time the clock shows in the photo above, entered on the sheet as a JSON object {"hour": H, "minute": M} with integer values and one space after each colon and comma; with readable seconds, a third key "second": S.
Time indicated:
{"hour": 12, "minute": 16}
